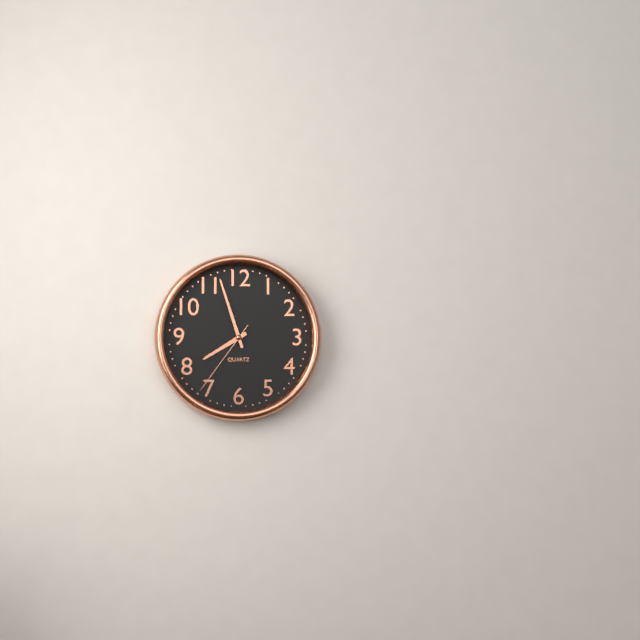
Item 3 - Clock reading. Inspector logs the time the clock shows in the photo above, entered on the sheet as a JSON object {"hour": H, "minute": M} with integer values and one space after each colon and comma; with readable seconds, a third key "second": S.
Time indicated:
{"hour": 7, "minute": 57, "second": 36}
